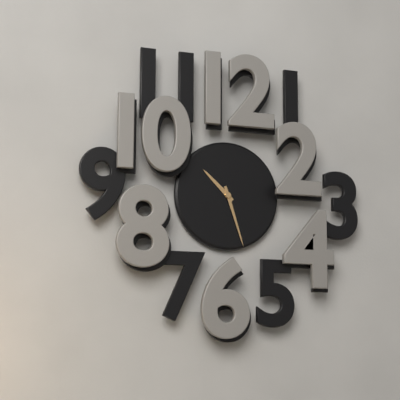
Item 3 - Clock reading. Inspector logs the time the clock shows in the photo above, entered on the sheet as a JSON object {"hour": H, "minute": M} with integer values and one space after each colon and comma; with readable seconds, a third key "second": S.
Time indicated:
{"hour": 10, "minute": 27}
